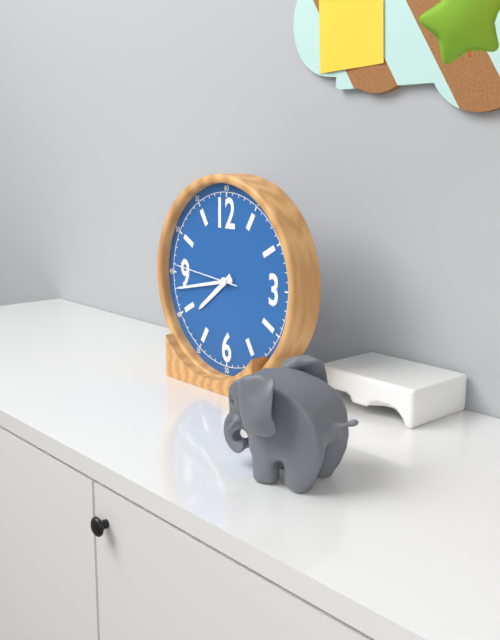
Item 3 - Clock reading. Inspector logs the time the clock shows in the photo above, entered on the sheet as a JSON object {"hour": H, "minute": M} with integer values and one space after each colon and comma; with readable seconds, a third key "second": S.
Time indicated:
{"hour": 7, "minute": 43, "second": 46}
